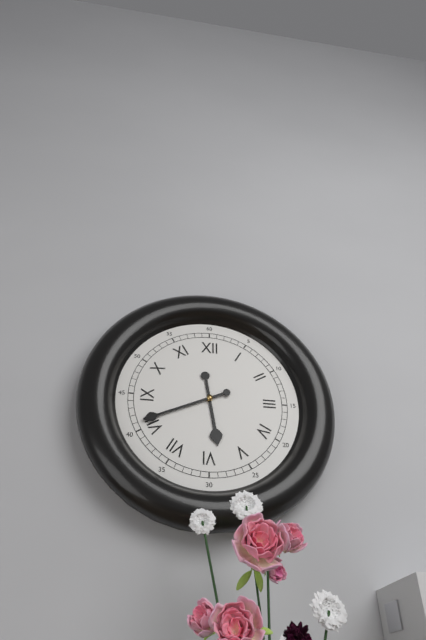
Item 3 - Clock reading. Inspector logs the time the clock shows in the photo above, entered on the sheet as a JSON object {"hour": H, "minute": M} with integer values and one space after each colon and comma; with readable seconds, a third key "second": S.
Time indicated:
{"hour": 5, "minute": 41}
